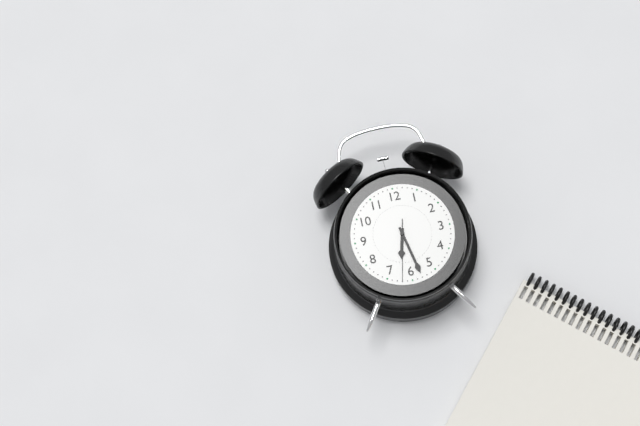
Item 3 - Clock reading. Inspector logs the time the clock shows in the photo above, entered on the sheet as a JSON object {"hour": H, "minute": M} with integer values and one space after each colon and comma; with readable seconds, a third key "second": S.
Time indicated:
{"hour": 6, "minute": 28, "second": 32}
